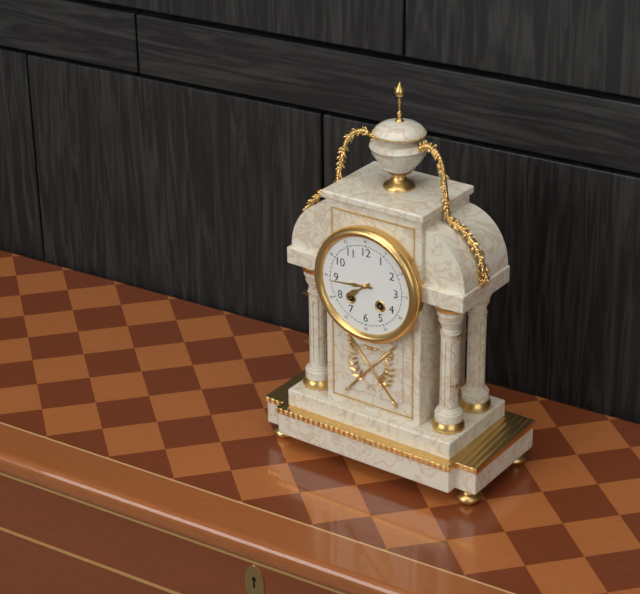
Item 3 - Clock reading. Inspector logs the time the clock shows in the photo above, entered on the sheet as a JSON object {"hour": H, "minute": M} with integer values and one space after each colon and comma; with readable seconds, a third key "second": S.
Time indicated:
{"hour": 7, "minute": 44}
